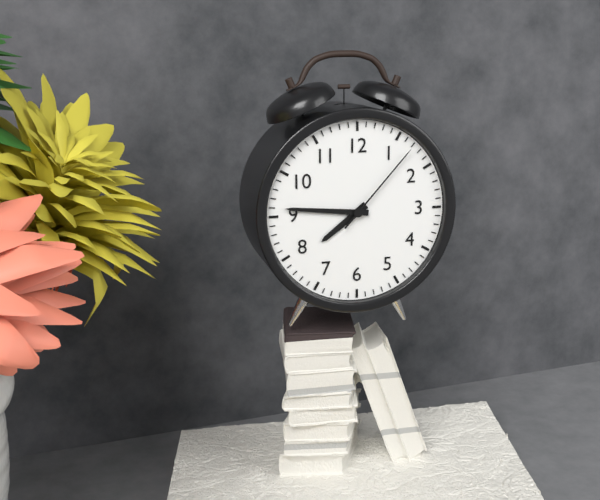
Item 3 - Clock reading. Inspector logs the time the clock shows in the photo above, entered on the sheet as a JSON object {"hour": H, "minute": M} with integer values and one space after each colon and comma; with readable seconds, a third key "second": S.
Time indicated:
{"hour": 7, "minute": 46, "second": 7}
